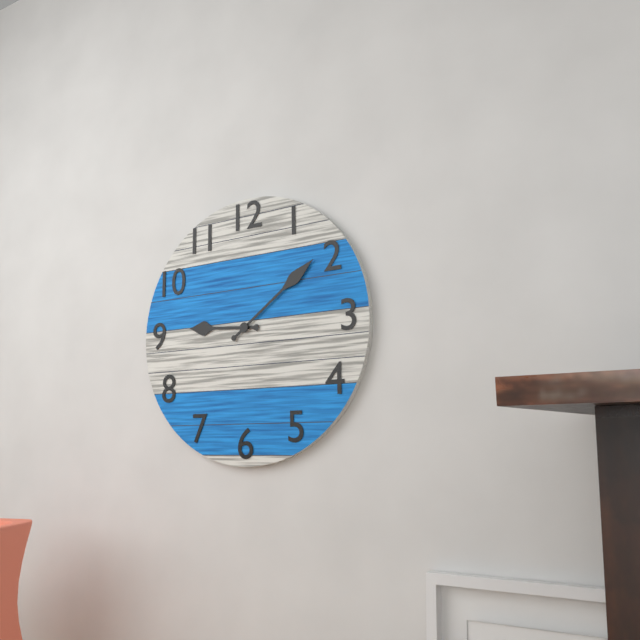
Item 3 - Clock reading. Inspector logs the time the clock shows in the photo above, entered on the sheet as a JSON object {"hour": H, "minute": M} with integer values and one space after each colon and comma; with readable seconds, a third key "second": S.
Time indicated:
{"hour": 9, "minute": 9}
